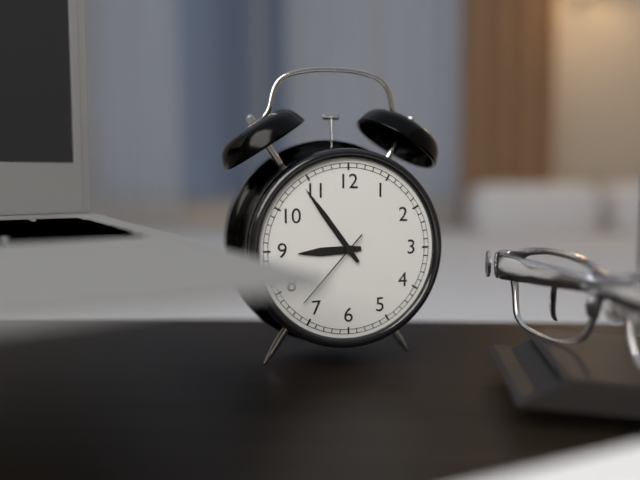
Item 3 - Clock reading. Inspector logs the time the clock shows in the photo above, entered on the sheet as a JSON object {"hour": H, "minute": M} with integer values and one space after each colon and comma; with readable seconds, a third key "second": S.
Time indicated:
{"hour": 8, "minute": 54, "second": 37}
